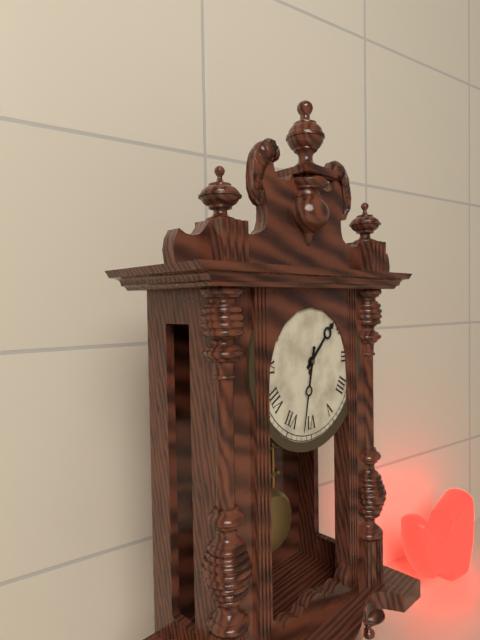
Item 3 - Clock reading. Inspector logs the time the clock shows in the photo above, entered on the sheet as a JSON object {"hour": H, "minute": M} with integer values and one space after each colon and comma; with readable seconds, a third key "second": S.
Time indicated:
{"hour": 1, "minute": 32}
